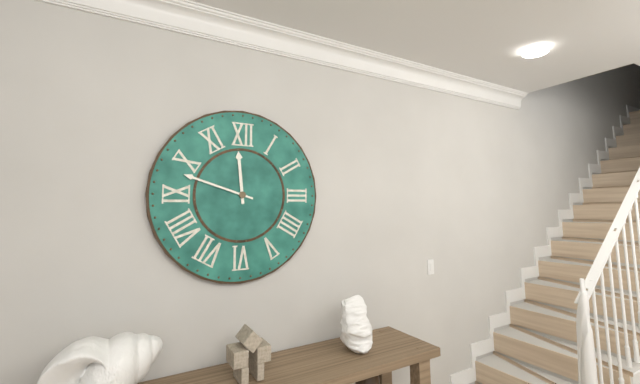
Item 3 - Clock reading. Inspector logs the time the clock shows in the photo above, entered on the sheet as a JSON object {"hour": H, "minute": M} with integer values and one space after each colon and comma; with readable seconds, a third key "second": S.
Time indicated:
{"hour": 11, "minute": 48}
